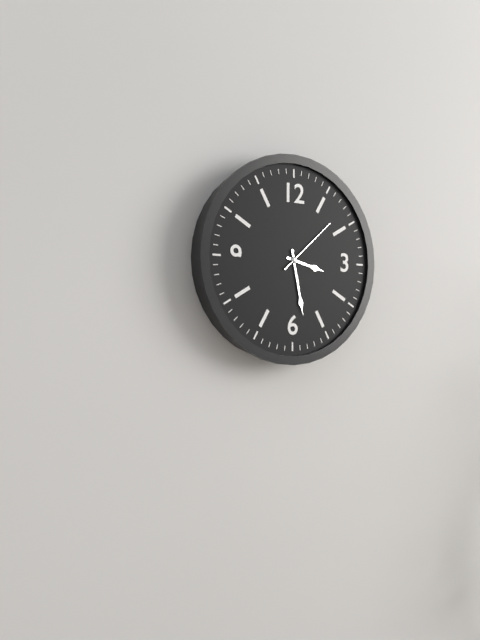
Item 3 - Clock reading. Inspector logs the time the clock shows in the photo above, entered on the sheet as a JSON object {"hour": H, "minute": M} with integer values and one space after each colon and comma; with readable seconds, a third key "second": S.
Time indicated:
{"hour": 3, "minute": 28, "second": 8}
